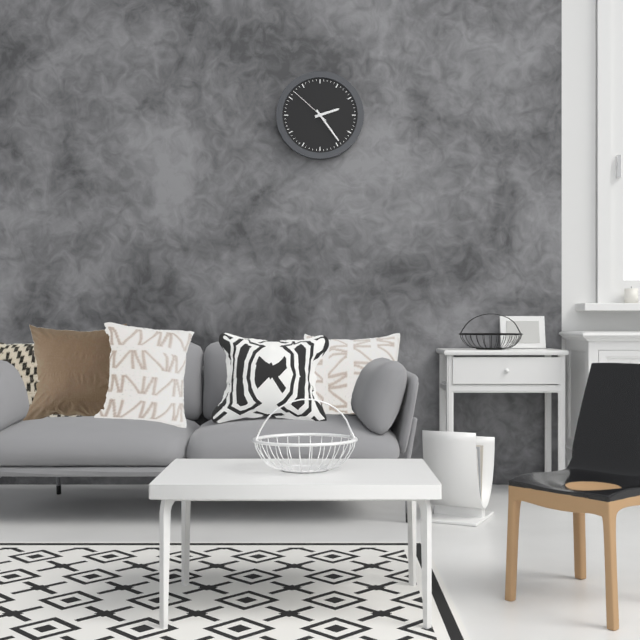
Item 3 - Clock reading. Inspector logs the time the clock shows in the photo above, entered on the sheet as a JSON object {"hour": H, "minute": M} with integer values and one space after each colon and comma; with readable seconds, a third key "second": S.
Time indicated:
{"hour": 2, "minute": 24}
